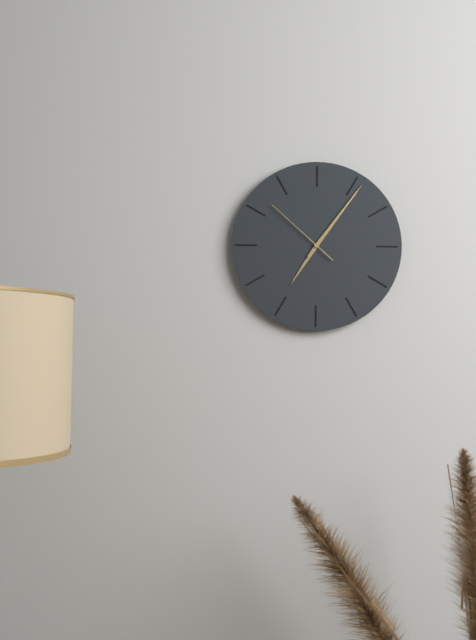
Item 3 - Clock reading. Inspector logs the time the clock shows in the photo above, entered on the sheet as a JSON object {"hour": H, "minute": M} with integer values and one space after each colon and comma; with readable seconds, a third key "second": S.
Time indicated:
{"hour": 7, "minute": 6, "second": 52}
